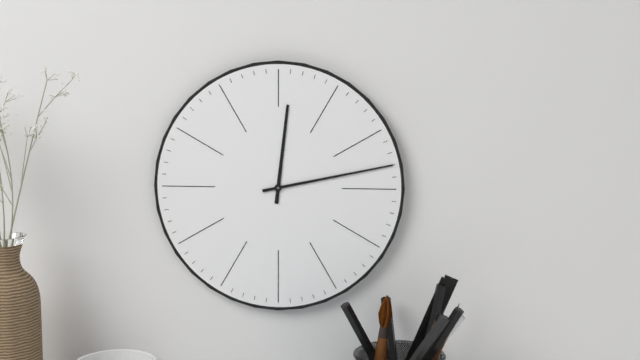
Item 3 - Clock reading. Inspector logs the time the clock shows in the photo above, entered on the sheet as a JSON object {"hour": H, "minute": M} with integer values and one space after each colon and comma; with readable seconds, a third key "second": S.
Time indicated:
{"hour": 12, "minute": 13}
